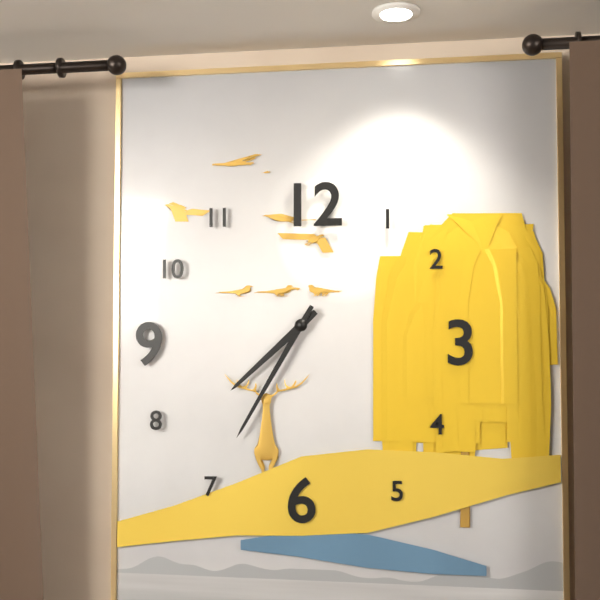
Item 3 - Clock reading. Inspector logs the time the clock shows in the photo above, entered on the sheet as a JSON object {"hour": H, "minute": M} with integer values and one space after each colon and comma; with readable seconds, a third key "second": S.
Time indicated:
{"hour": 7, "minute": 35}
